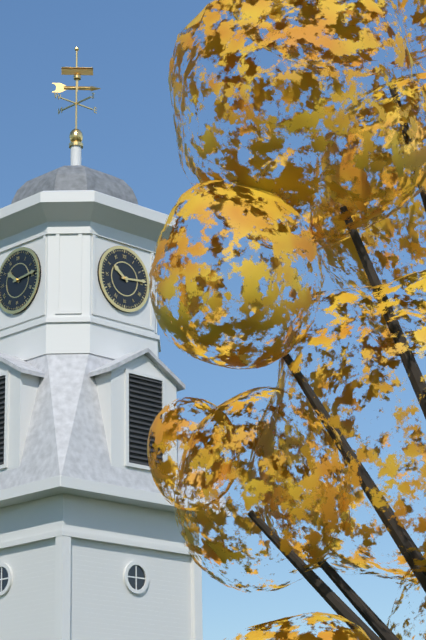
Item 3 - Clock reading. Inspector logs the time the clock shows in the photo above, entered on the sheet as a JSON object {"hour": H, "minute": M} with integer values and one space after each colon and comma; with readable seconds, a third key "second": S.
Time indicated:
{"hour": 10, "minute": 14}
